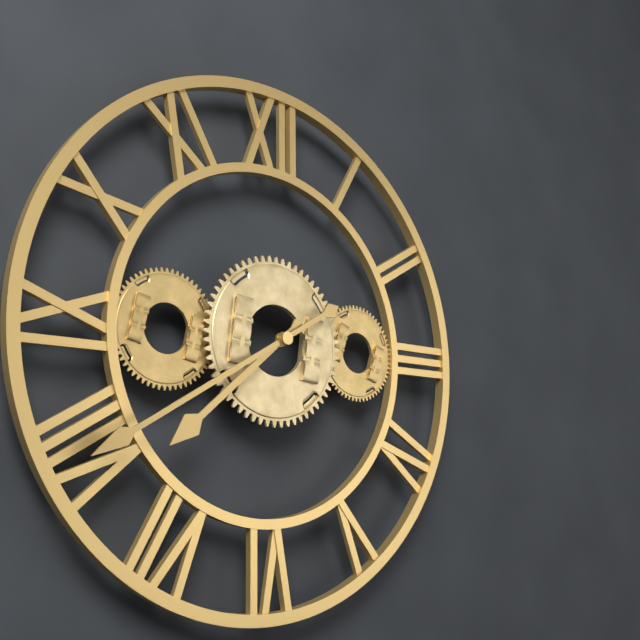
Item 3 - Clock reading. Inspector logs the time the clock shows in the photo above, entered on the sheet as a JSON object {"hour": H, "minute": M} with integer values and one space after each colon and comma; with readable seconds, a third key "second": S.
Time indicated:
{"hour": 7, "minute": 40}
